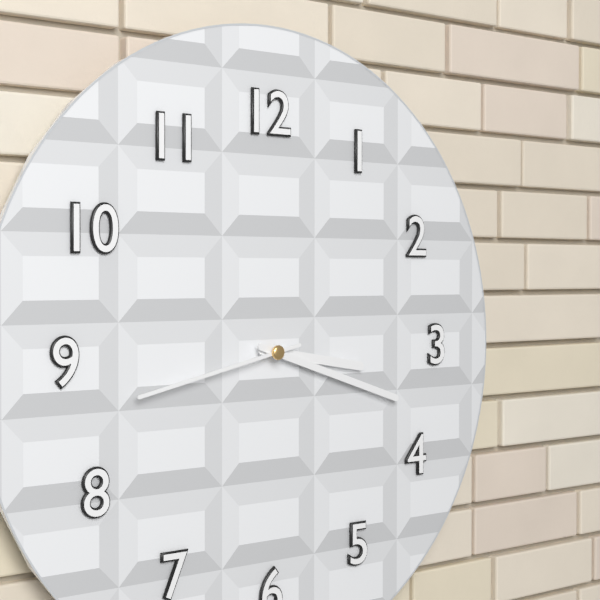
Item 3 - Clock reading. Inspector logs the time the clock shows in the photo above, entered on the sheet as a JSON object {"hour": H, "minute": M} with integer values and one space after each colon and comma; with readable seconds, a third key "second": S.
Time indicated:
{"hour": 3, "minute": 18, "second": 43}
